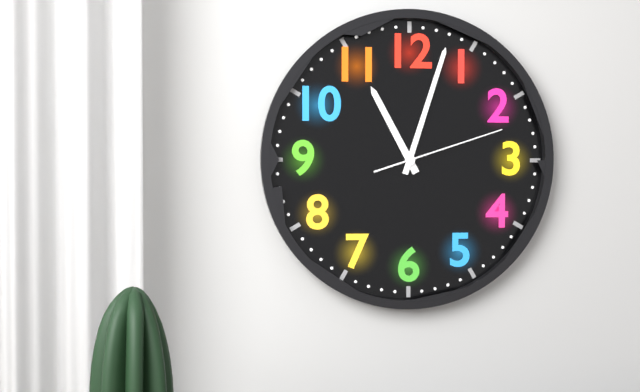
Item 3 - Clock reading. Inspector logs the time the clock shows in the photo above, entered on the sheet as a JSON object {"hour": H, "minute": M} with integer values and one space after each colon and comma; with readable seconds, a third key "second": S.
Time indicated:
{"hour": 11, "minute": 3, "second": 12}
